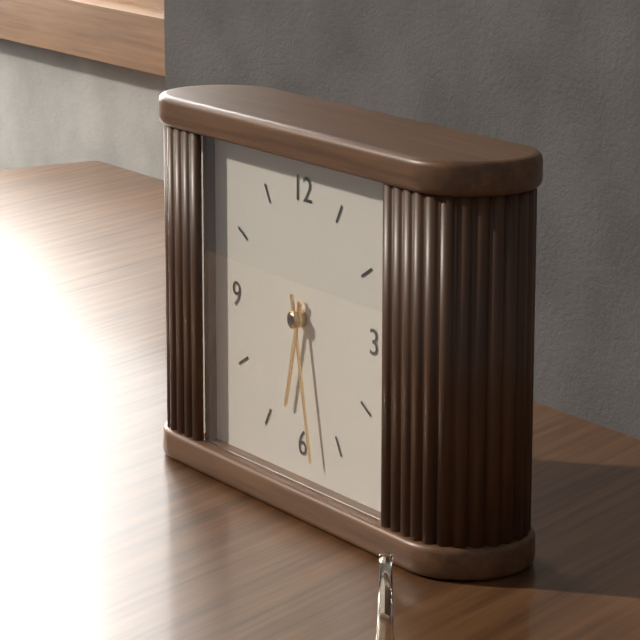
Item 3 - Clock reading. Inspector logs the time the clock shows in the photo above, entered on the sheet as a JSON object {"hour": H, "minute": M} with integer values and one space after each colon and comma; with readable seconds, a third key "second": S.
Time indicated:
{"hour": 6, "minute": 28}
